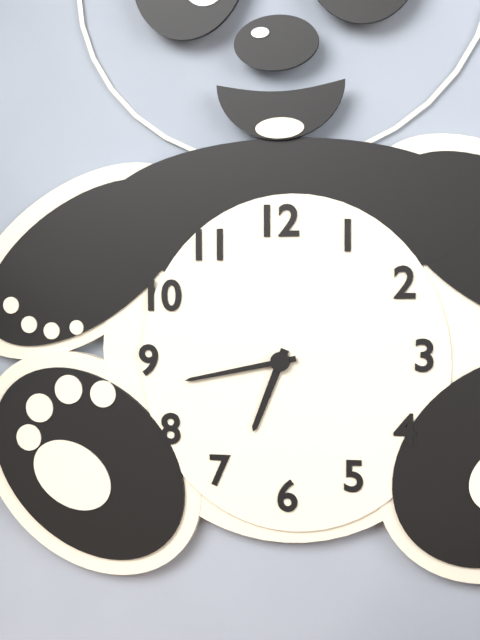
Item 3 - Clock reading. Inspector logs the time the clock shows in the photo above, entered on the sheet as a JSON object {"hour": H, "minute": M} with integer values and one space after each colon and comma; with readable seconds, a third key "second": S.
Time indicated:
{"hour": 6, "minute": 43}
